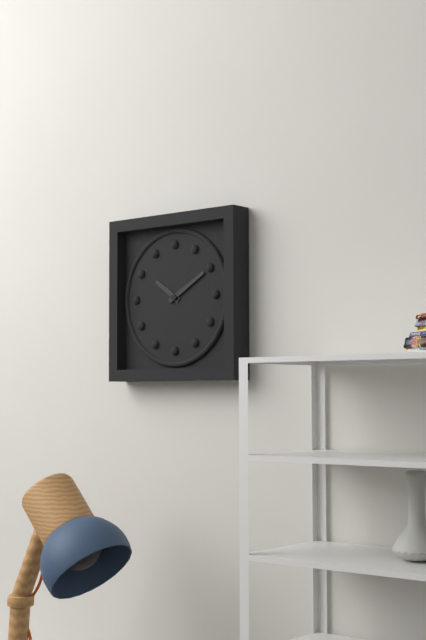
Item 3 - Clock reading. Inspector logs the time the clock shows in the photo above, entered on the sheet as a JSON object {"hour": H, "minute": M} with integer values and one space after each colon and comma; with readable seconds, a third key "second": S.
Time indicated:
{"hour": 10, "minute": 10}
